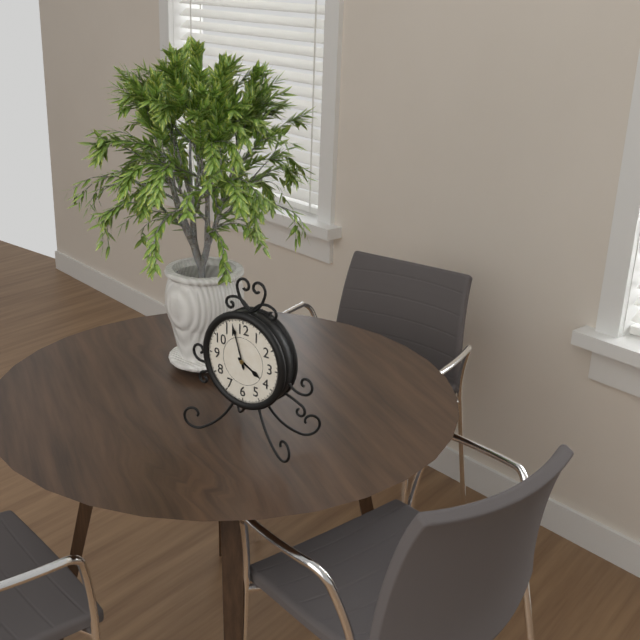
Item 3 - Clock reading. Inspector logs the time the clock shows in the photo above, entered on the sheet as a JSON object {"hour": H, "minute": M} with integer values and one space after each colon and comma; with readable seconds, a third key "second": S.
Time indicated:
{"hour": 3, "minute": 57}
